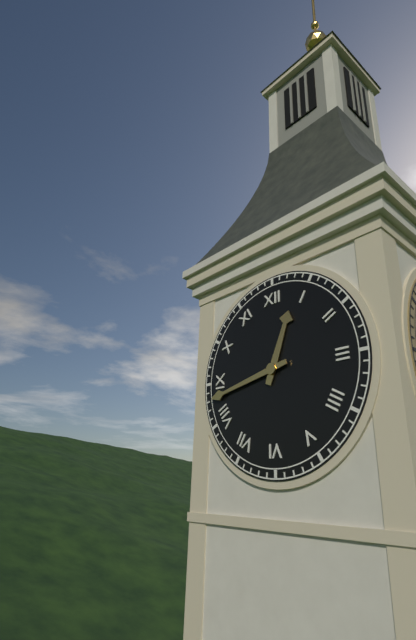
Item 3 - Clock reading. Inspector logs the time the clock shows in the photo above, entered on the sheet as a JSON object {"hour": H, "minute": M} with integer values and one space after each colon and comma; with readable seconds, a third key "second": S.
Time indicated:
{"hour": 12, "minute": 43}
